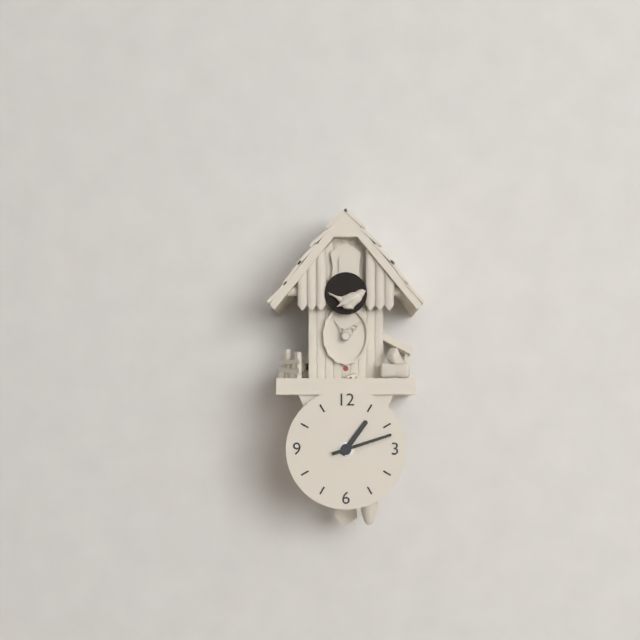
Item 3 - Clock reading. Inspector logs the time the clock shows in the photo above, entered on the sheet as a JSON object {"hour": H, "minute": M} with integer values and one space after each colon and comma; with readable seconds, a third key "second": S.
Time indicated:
{"hour": 1, "minute": 12}
